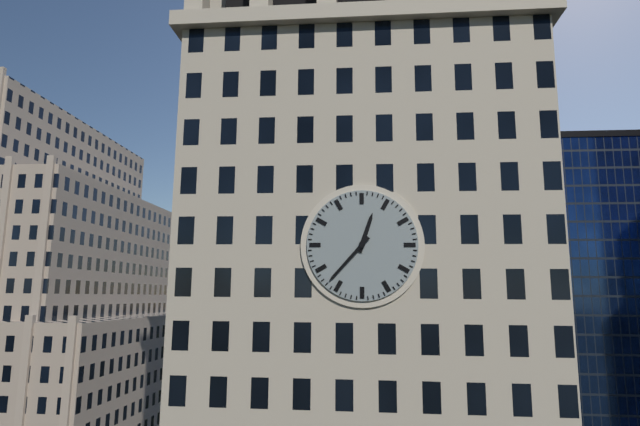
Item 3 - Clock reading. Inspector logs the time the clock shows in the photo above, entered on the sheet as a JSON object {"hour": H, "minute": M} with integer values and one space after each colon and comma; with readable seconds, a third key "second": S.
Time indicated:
{"hour": 12, "minute": 37}
